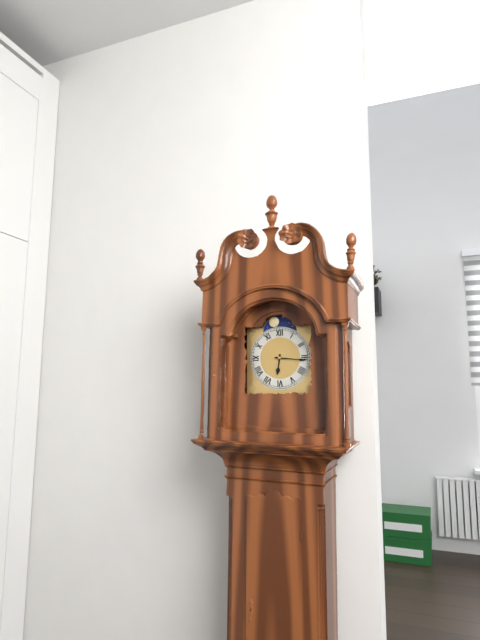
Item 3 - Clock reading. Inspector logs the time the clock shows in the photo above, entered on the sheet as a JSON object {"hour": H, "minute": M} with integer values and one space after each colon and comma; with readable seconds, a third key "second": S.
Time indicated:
{"hour": 6, "minute": 16}
